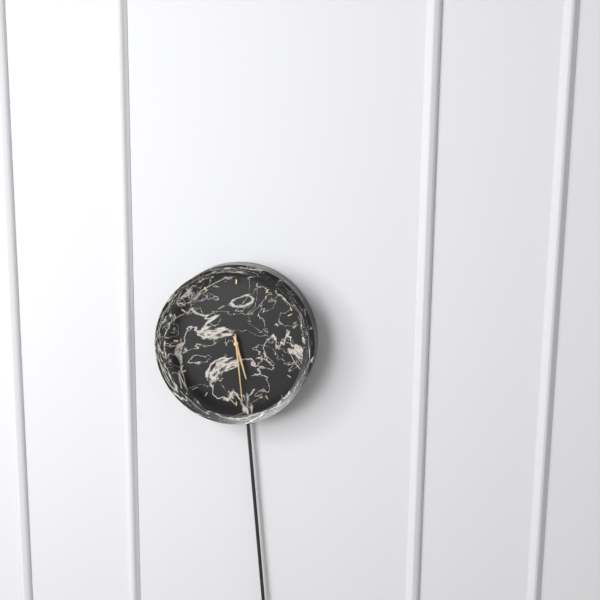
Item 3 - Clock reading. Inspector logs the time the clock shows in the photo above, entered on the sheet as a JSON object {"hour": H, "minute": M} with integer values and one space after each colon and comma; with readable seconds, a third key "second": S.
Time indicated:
{"hour": 5, "minute": 29}
